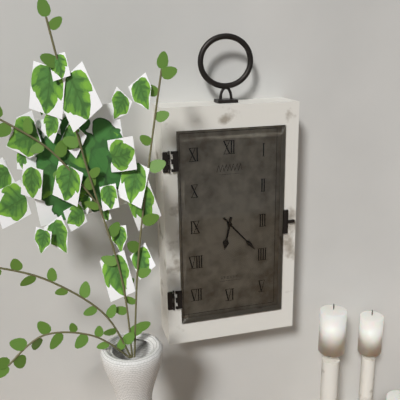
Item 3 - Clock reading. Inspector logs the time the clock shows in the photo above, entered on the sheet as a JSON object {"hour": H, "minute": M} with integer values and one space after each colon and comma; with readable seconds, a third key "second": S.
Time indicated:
{"hour": 6, "minute": 23}
